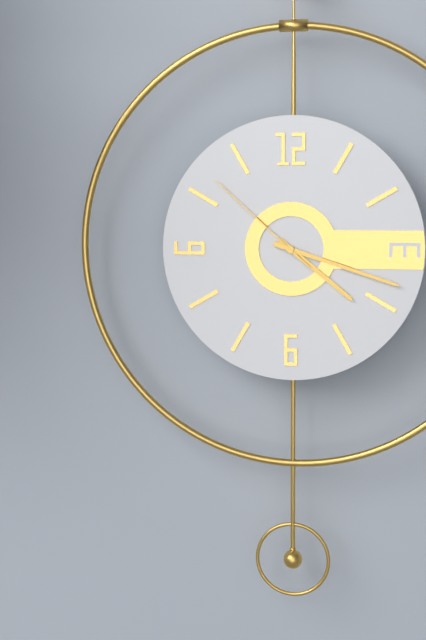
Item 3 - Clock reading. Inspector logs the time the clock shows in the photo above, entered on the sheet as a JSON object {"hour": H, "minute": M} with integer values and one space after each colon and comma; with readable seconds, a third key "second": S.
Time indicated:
{"hour": 4, "minute": 18, "second": 52}
